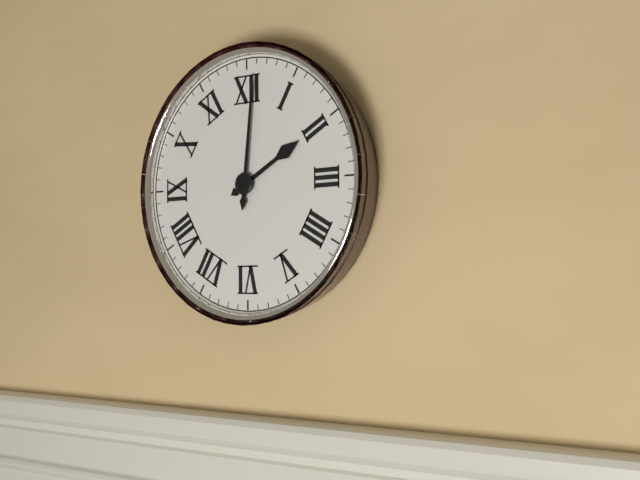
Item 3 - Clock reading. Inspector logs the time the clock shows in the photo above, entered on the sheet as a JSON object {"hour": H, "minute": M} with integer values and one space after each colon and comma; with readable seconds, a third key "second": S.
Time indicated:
{"hour": 2, "minute": 1}
